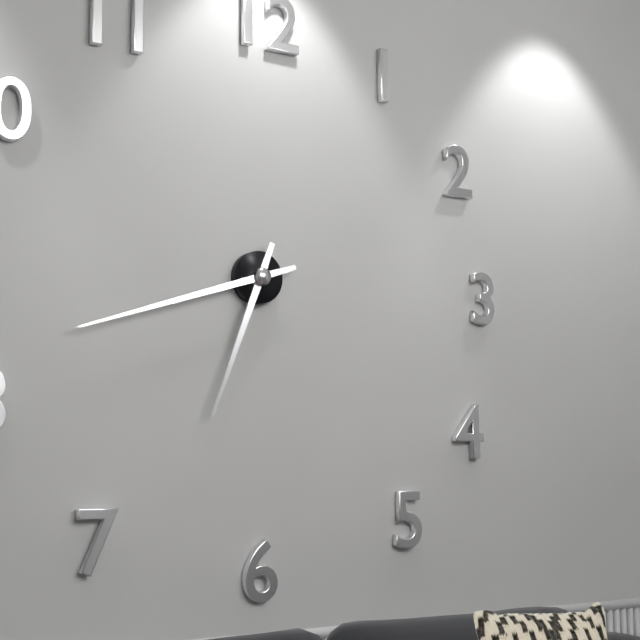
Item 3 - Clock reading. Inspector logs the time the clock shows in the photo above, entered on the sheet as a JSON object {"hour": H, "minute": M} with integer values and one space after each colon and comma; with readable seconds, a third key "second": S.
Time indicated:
{"hour": 6, "minute": 42}
